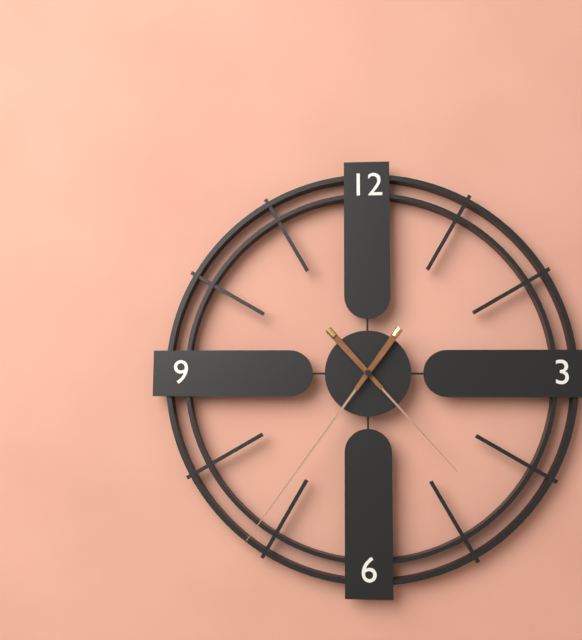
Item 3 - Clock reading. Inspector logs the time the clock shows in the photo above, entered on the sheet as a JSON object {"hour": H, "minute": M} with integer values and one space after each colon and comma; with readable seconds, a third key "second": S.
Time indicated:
{"hour": 4, "minute": 36}
